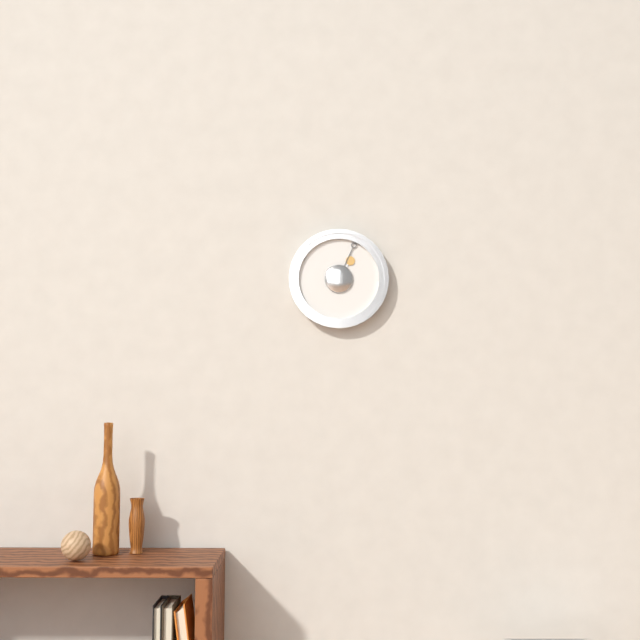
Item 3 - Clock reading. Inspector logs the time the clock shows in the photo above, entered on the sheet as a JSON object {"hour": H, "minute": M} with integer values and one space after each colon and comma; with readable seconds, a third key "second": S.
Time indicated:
{"hour": 1, "minute": 4}
